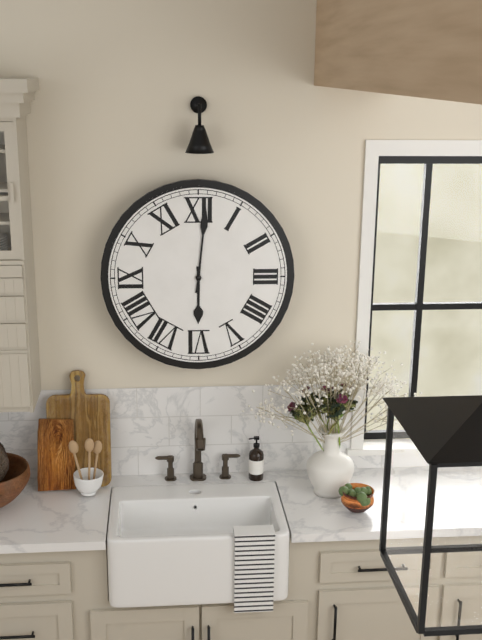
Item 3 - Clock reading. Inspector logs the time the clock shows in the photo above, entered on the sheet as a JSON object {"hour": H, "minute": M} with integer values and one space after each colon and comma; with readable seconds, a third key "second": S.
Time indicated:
{"hour": 6, "minute": 1}
